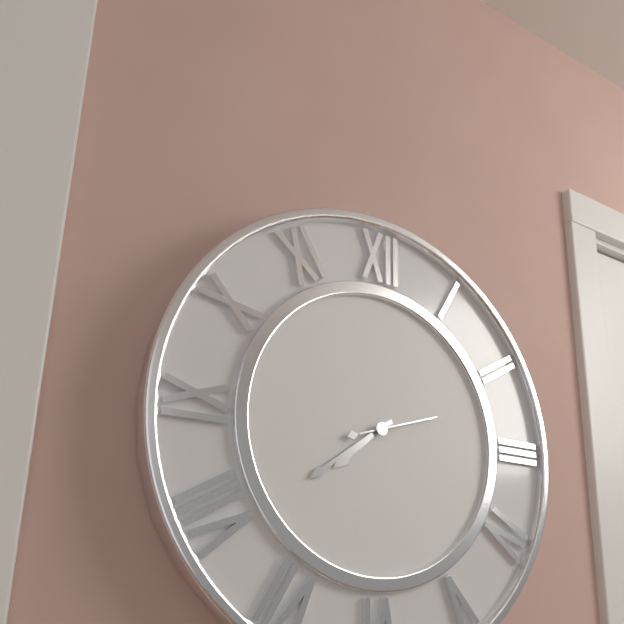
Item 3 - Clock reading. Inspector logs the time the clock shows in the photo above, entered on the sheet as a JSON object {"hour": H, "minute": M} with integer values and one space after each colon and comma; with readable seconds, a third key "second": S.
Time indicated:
{"hour": 7, "minute": 39, "second": 12}
